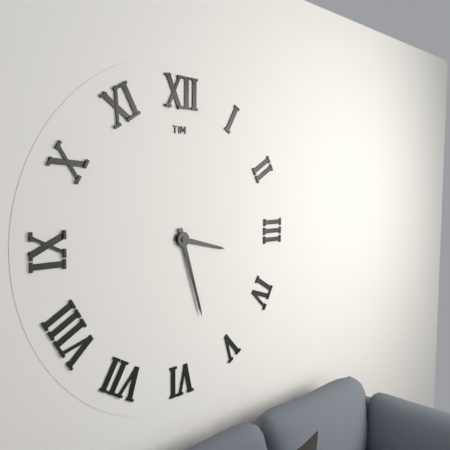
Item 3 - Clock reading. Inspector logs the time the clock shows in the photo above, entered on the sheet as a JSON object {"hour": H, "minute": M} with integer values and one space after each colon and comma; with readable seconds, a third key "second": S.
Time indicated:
{"hour": 3, "minute": 27}
